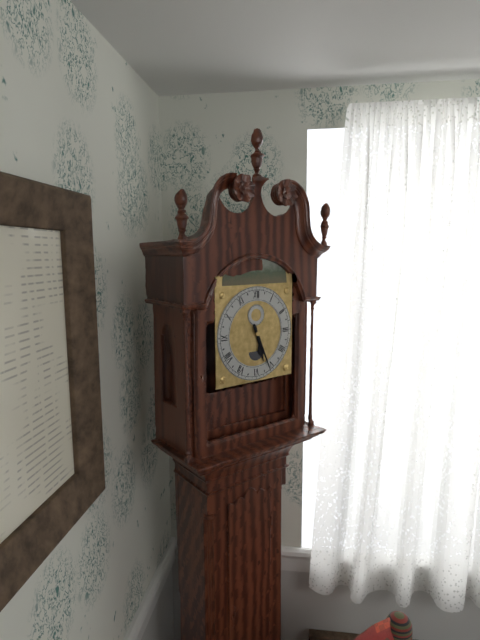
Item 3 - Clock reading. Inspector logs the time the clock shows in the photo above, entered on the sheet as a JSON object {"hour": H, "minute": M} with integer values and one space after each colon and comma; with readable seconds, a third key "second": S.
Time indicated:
{"hour": 5, "minute": 26}
